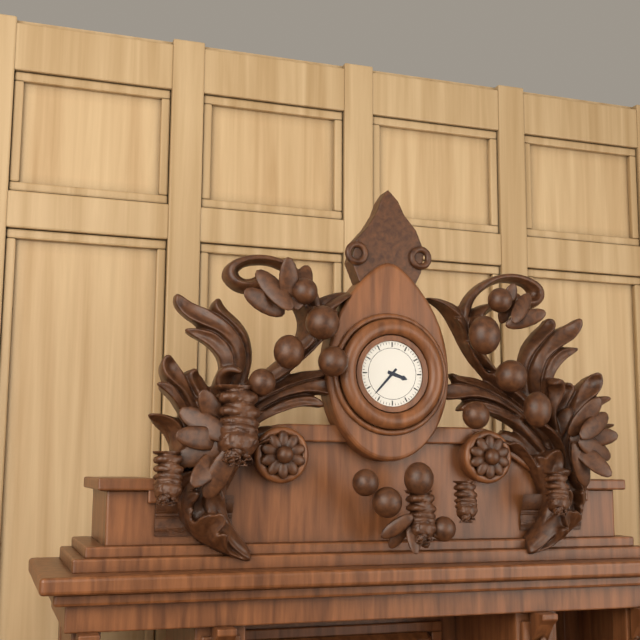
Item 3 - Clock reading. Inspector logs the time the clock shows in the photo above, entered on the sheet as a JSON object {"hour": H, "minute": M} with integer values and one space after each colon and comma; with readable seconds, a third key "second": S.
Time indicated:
{"hour": 3, "minute": 37}
